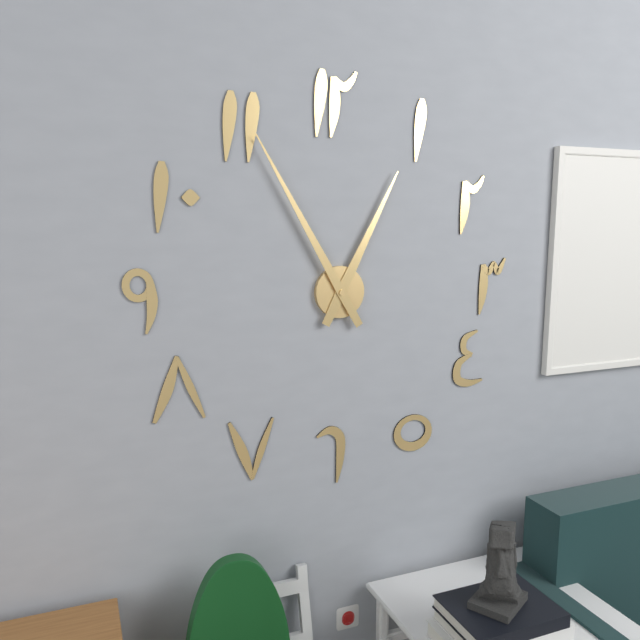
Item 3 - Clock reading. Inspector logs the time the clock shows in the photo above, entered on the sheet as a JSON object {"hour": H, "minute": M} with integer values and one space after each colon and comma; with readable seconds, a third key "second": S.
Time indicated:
{"hour": 12, "minute": 55}
